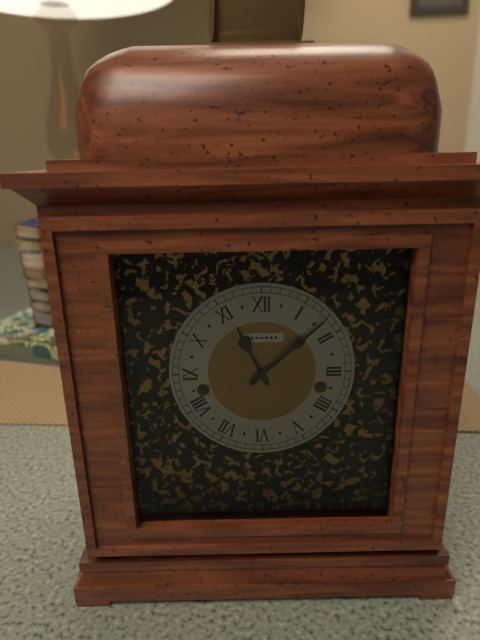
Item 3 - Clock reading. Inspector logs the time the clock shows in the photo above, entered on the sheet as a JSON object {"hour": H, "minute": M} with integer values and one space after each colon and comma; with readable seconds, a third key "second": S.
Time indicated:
{"hour": 11, "minute": 8}
